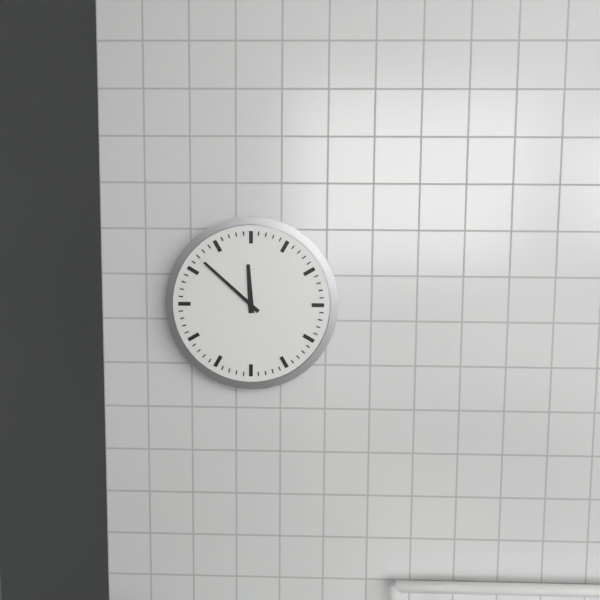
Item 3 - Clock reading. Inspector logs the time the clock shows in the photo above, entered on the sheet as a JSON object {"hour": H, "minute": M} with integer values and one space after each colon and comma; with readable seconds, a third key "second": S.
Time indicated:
{"hour": 11, "minute": 52}
